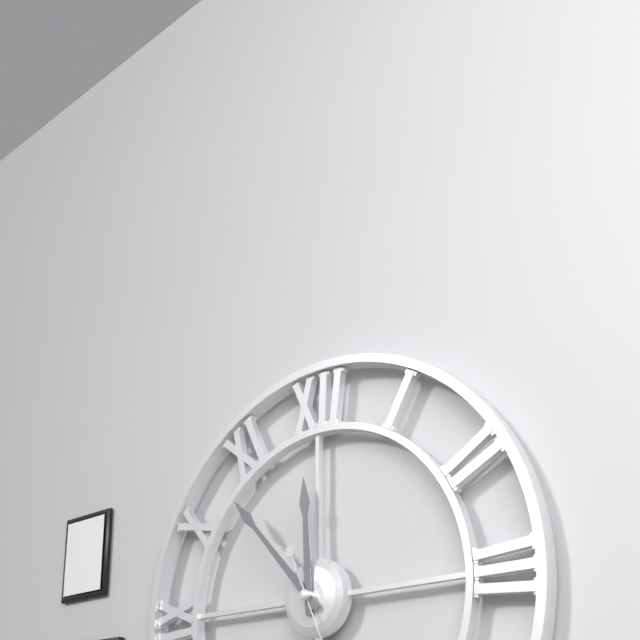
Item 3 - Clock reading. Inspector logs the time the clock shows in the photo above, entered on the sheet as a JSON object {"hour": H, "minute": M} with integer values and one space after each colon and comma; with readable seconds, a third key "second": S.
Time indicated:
{"hour": 11, "minute": 53}
